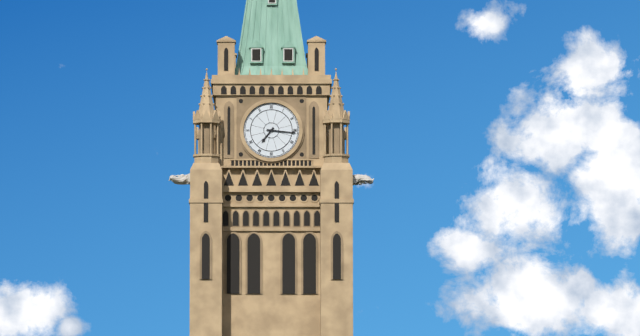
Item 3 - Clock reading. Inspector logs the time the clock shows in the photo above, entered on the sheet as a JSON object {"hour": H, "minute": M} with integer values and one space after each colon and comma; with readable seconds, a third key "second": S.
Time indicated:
{"hour": 7, "minute": 16}
